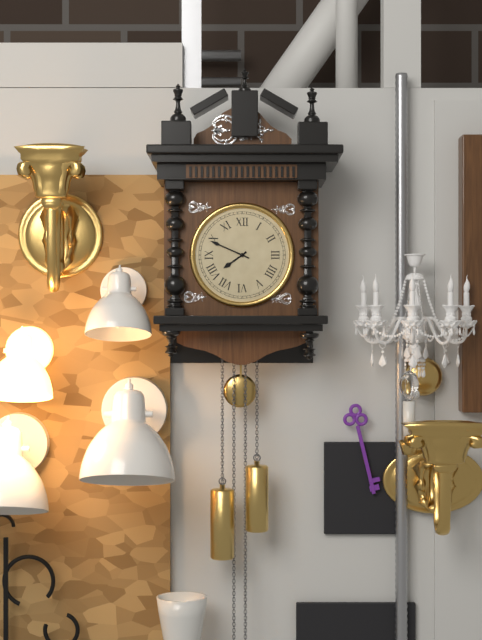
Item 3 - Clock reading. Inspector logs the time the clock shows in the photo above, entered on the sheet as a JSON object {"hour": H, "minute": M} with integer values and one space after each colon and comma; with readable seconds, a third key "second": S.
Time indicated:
{"hour": 7, "minute": 49}
